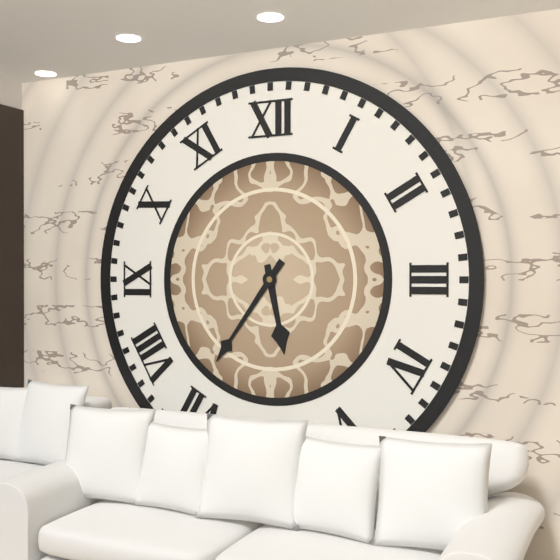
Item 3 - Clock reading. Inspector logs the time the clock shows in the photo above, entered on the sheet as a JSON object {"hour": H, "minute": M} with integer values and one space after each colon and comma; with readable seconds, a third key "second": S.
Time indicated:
{"hour": 5, "minute": 36}
